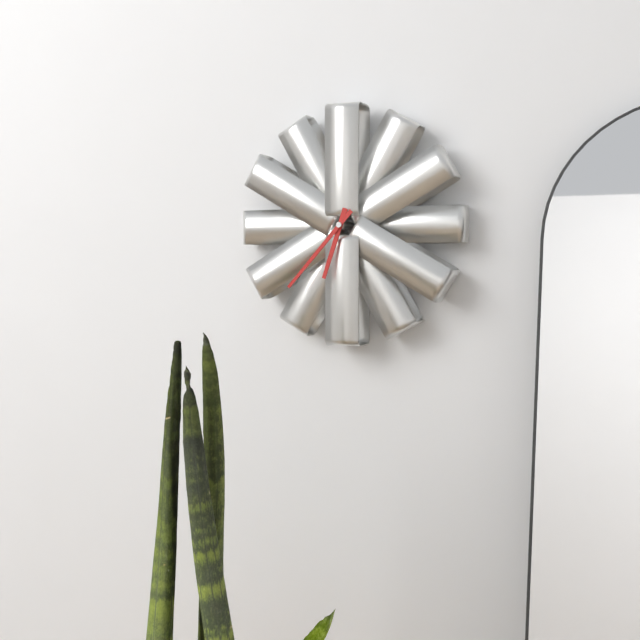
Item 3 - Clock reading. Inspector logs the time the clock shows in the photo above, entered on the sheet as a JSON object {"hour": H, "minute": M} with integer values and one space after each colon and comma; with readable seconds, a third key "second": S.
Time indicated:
{"hour": 6, "minute": 37}
